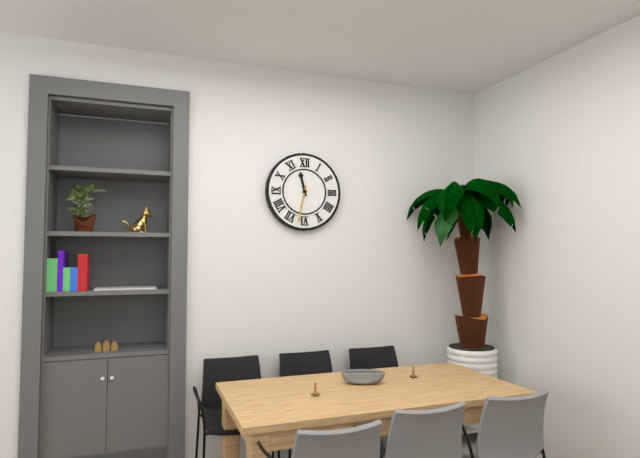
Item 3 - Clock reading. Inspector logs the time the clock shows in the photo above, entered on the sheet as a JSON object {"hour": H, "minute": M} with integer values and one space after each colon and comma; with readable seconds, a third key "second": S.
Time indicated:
{"hour": 11, "minute": 32}
